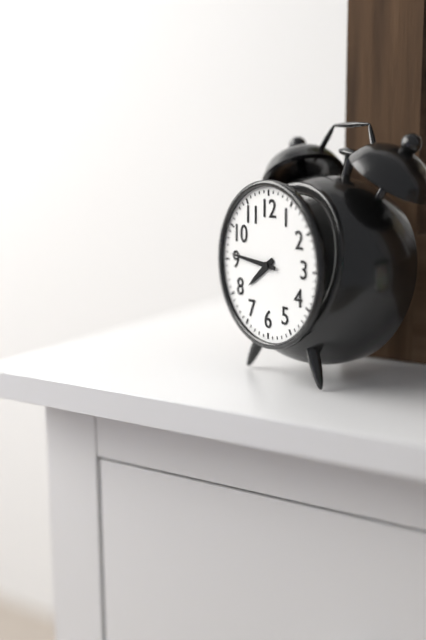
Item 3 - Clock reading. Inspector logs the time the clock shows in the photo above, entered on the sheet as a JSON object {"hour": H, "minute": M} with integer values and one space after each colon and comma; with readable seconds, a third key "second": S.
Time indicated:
{"hour": 7, "minute": 46}
